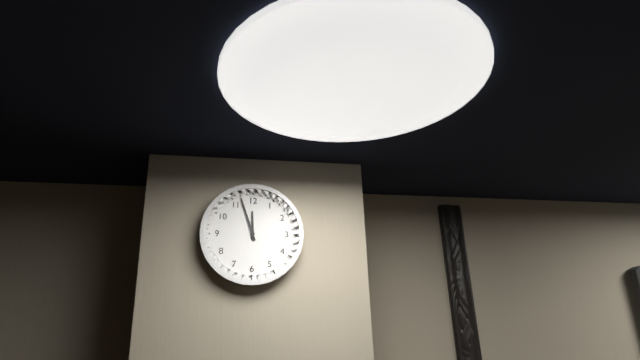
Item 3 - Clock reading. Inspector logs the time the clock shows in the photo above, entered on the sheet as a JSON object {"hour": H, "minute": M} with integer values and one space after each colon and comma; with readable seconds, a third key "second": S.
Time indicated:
{"hour": 11, "minute": 57}
